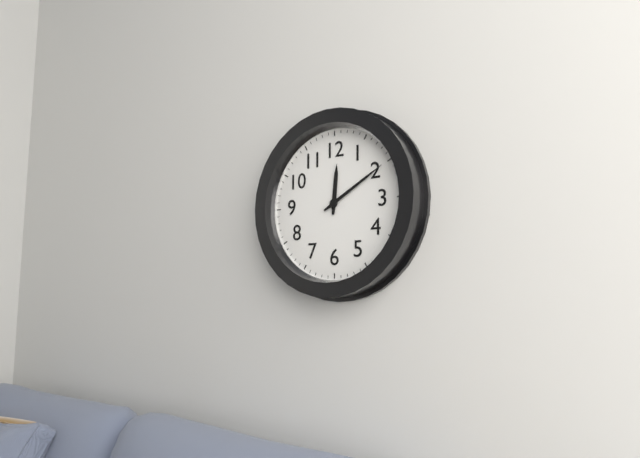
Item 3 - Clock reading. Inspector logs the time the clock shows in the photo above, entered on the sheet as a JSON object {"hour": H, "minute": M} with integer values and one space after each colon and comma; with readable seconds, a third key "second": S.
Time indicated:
{"hour": 12, "minute": 10}
